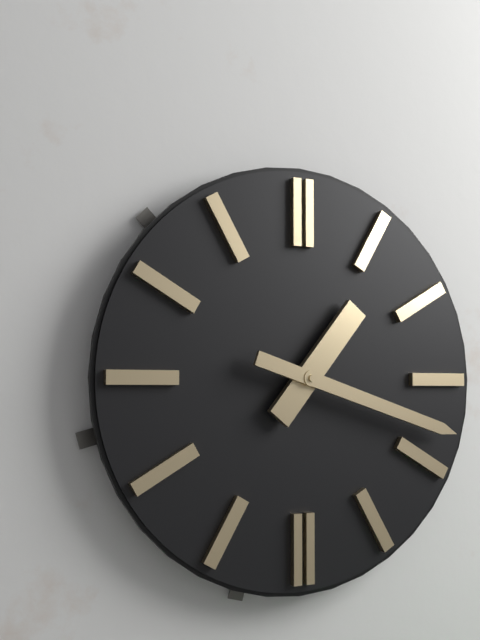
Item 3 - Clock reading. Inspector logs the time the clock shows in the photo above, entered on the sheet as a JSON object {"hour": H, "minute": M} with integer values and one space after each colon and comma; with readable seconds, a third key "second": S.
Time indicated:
{"hour": 1, "minute": 18}
